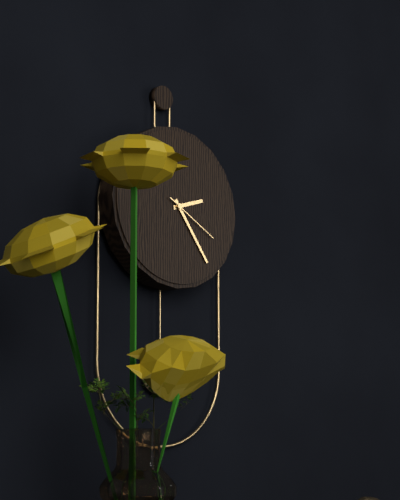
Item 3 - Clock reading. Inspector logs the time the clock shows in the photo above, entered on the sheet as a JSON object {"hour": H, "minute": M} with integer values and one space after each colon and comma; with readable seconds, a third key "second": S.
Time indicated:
{"hour": 2, "minute": 24, "second": 20}
